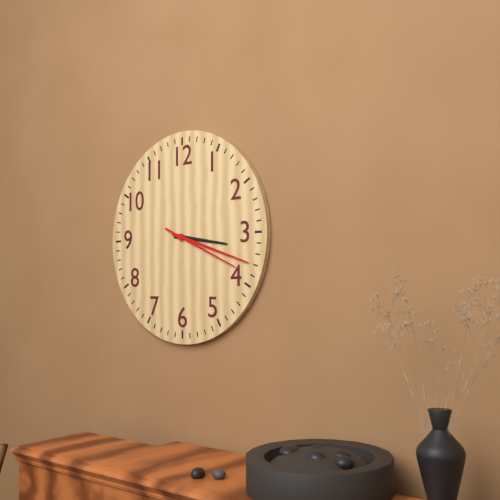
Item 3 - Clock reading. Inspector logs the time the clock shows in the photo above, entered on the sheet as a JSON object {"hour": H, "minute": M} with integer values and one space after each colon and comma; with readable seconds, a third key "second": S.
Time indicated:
{"hour": 3, "minute": 18, "second": 19}
